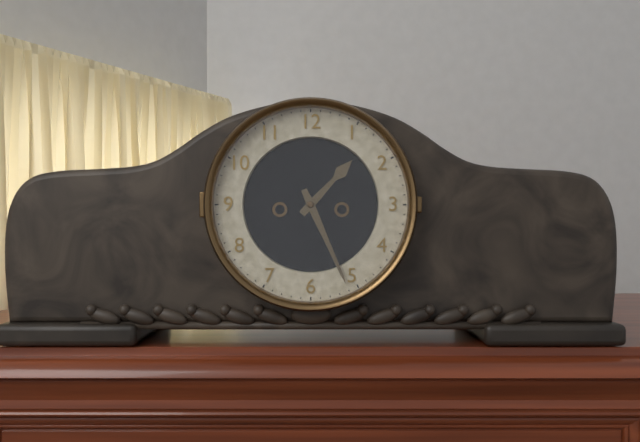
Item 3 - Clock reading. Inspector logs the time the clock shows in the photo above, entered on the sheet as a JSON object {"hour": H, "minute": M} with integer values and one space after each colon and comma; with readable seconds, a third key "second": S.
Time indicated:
{"hour": 1, "minute": 26}
